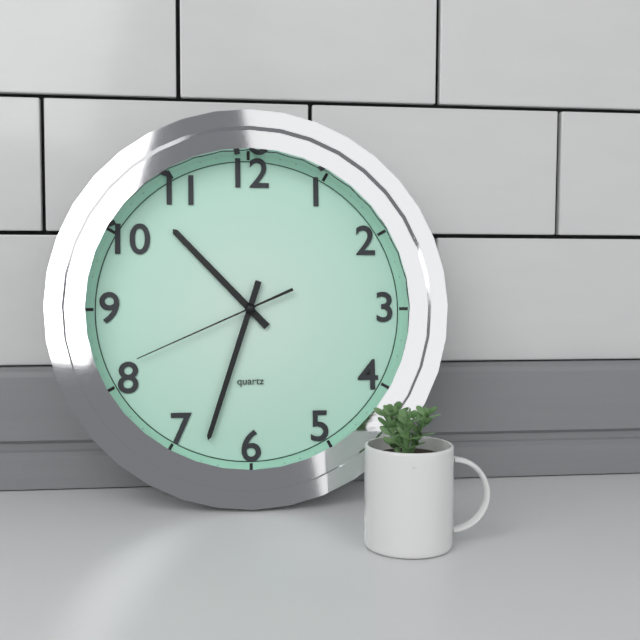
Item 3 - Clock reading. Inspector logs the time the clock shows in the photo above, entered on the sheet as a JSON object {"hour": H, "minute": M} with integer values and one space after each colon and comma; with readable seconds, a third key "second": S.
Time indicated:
{"hour": 10, "minute": 33, "second": 41}
